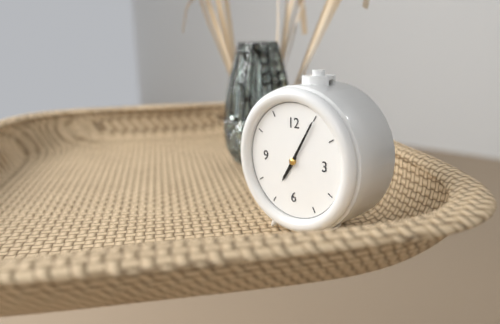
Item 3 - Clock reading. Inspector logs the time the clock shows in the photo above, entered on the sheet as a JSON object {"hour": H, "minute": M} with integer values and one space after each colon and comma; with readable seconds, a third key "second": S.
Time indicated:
{"hour": 7, "minute": 5}
